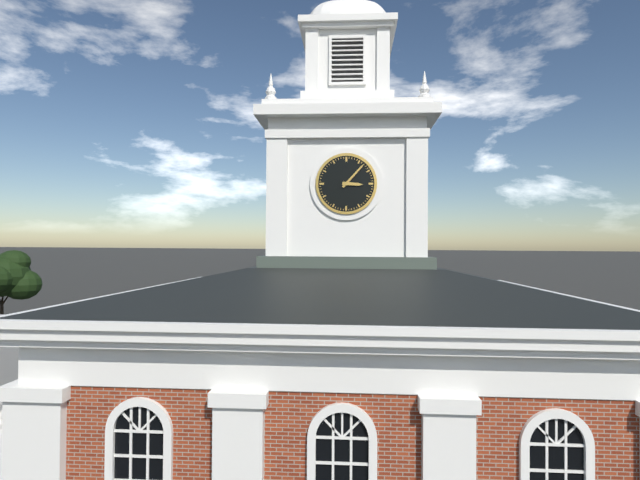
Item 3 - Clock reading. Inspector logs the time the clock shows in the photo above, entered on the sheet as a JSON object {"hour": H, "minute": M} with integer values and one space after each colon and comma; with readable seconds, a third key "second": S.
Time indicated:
{"hour": 3, "minute": 7}
